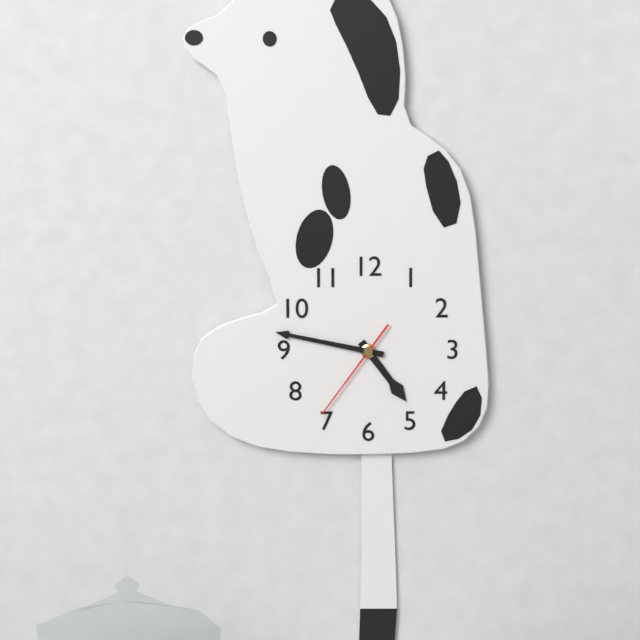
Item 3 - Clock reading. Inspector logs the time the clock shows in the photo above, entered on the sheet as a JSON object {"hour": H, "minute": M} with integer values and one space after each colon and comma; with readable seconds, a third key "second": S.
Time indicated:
{"hour": 4, "minute": 47, "second": 36}
